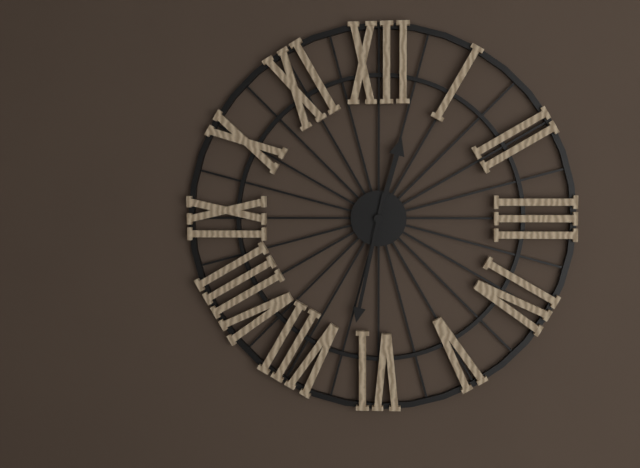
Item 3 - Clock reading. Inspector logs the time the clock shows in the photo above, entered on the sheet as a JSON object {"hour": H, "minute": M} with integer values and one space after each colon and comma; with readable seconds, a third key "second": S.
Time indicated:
{"hour": 12, "minute": 32}
